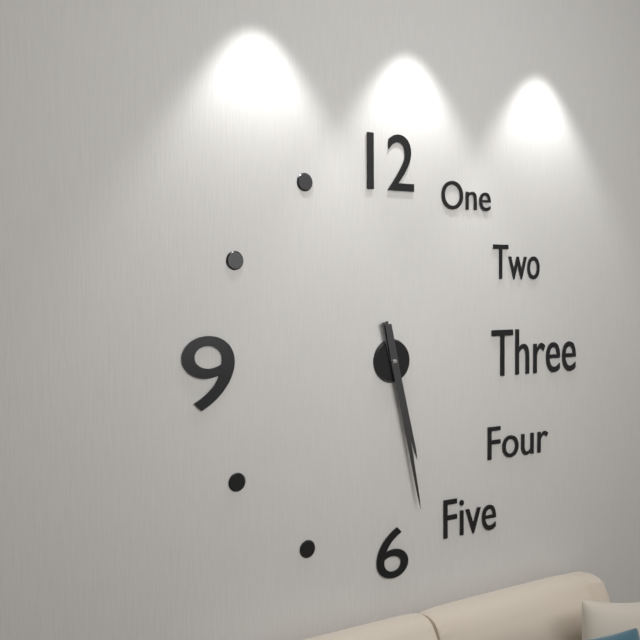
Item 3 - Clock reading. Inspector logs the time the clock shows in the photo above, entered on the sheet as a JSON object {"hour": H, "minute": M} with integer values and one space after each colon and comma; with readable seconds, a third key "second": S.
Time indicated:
{"hour": 5, "minute": 28}
